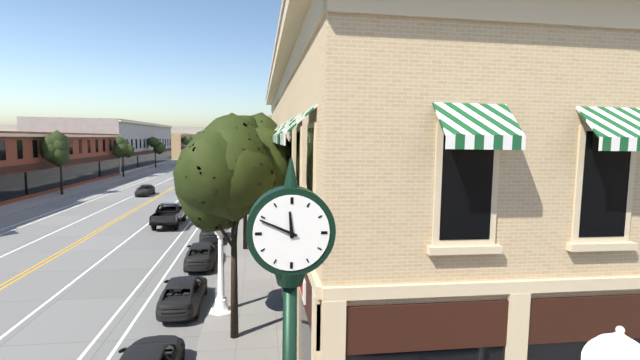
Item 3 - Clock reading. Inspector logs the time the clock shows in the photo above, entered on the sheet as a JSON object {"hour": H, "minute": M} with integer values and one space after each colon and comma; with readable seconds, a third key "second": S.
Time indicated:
{"hour": 11, "minute": 49}
